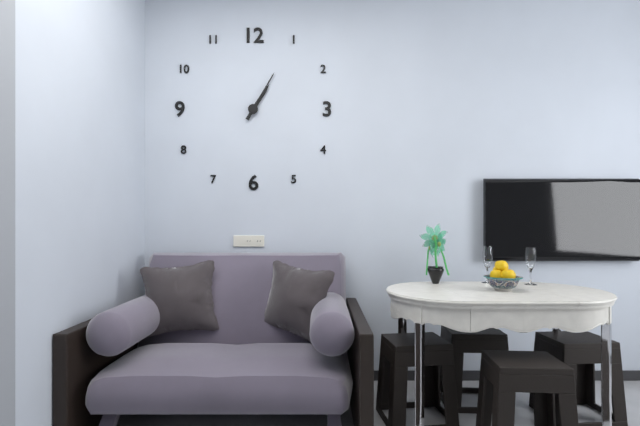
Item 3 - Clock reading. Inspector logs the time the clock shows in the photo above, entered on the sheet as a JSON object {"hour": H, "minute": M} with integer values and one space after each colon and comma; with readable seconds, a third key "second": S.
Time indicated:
{"hour": 1, "minute": 5}
